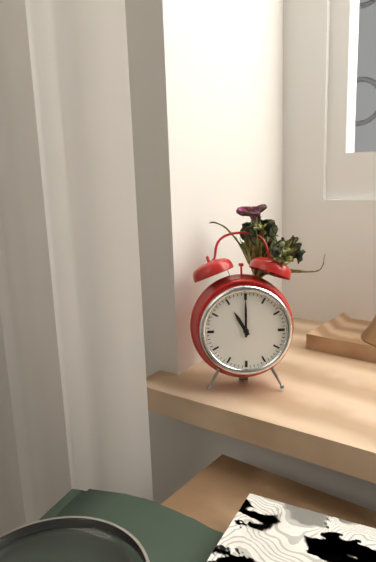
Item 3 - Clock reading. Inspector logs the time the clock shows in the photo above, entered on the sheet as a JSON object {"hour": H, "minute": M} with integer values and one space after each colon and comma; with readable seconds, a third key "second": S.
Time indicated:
{"hour": 11, "minute": 0}
